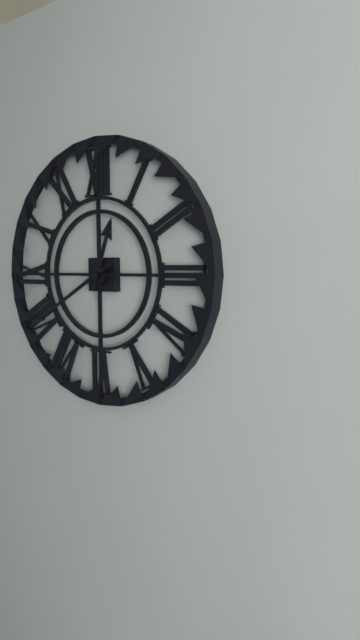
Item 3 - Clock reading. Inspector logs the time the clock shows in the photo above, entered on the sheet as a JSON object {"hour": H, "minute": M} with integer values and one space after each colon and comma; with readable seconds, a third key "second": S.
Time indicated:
{"hour": 12, "minute": 40}
